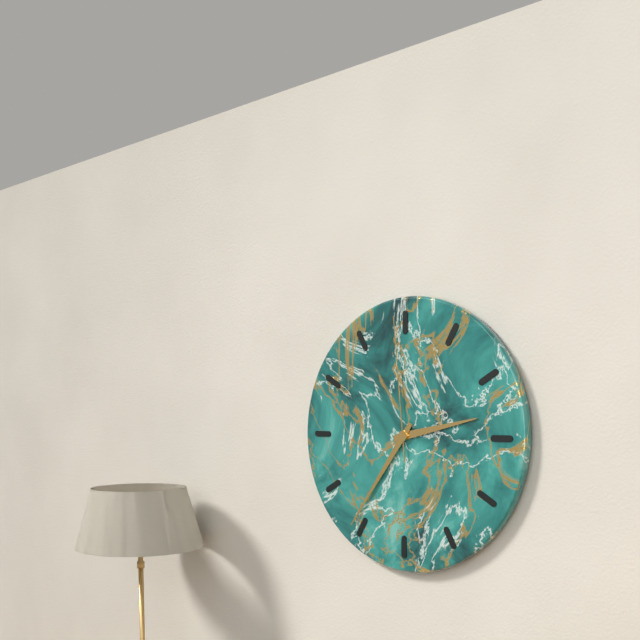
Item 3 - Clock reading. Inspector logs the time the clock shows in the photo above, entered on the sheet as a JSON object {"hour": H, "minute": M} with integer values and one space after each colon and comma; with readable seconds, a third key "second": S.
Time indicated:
{"hour": 2, "minute": 36, "second": 59}
